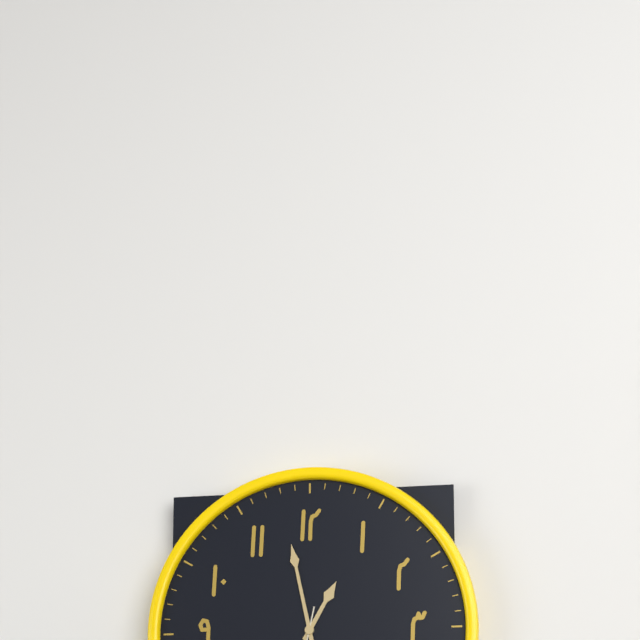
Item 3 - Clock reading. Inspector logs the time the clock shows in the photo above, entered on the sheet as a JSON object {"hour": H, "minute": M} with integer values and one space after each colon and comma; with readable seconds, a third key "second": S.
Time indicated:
{"hour": 12, "minute": 58}
